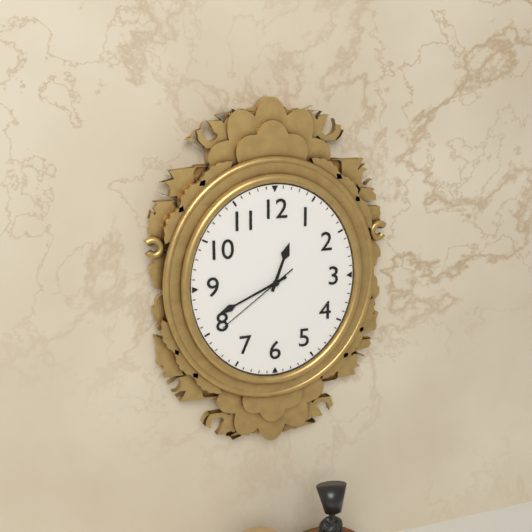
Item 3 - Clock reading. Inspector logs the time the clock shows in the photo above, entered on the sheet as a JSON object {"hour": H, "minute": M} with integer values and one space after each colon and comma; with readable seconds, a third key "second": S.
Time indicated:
{"hour": 12, "minute": 41, "second": 39}
